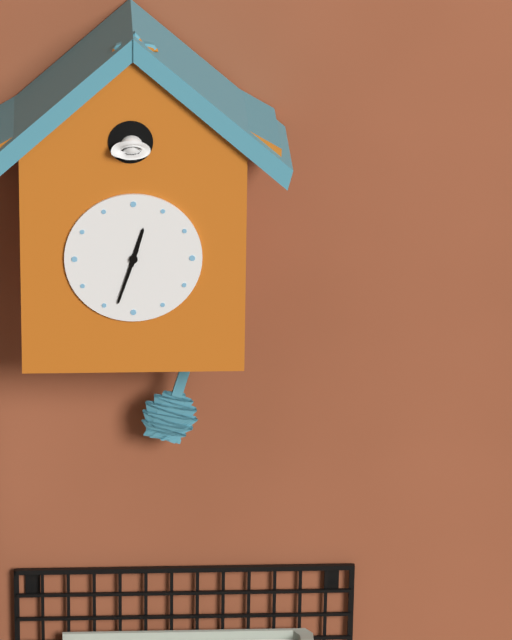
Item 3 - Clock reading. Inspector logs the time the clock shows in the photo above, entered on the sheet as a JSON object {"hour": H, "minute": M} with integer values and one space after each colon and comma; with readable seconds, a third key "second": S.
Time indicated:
{"hour": 12, "minute": 33}
